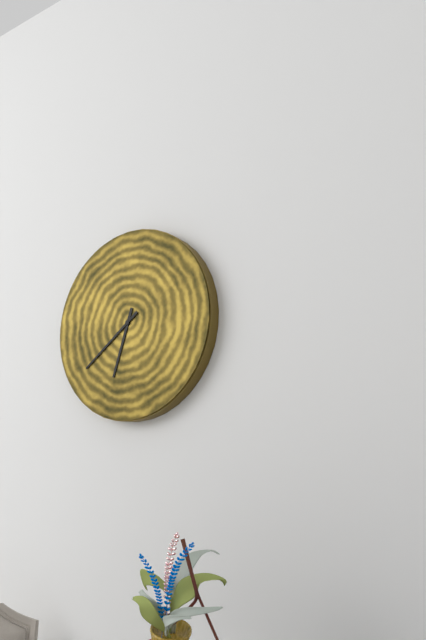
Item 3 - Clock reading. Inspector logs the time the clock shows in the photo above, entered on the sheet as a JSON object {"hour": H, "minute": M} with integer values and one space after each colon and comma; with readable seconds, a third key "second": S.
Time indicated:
{"hour": 6, "minute": 39}
